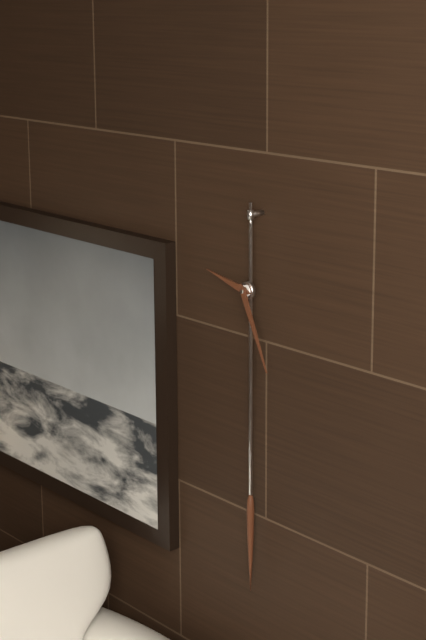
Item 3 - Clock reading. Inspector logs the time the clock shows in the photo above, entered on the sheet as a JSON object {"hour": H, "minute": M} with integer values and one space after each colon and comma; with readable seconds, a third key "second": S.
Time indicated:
{"hour": 9, "minute": 26}
